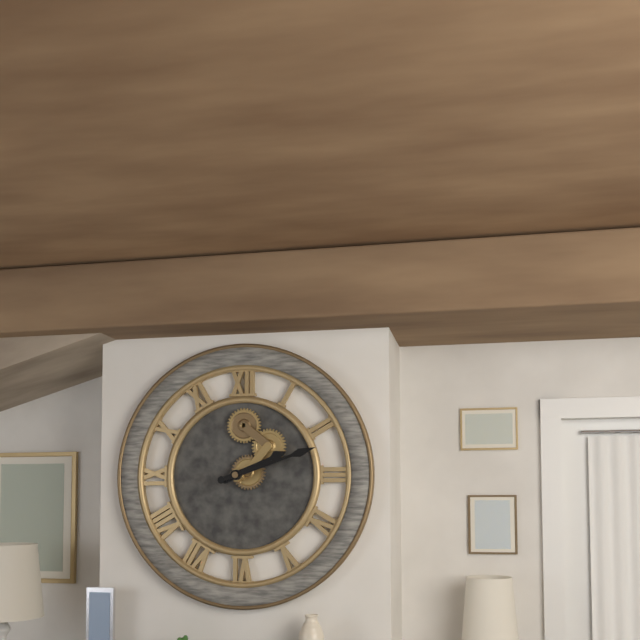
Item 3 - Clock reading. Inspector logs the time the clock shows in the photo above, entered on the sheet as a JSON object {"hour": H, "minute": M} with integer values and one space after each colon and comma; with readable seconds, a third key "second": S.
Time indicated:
{"hour": 2, "minute": 12}
